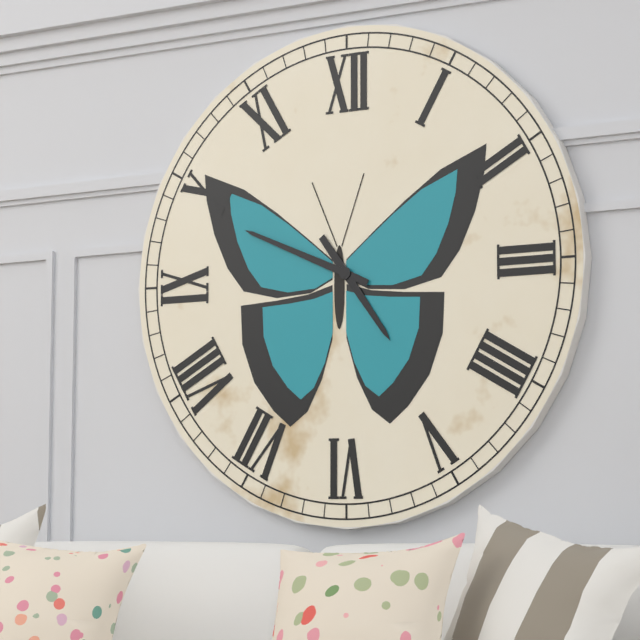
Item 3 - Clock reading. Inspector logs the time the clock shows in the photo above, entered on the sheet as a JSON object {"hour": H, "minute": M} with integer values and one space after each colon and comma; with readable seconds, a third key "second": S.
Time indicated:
{"hour": 4, "minute": 49}
